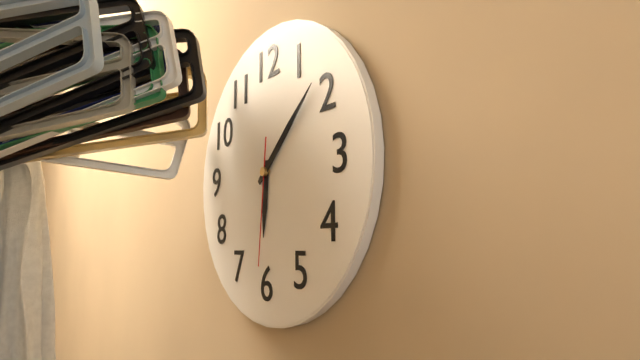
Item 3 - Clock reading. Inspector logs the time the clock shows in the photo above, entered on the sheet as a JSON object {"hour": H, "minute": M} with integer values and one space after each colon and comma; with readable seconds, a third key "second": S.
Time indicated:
{"hour": 6, "minute": 8, "second": 31}
